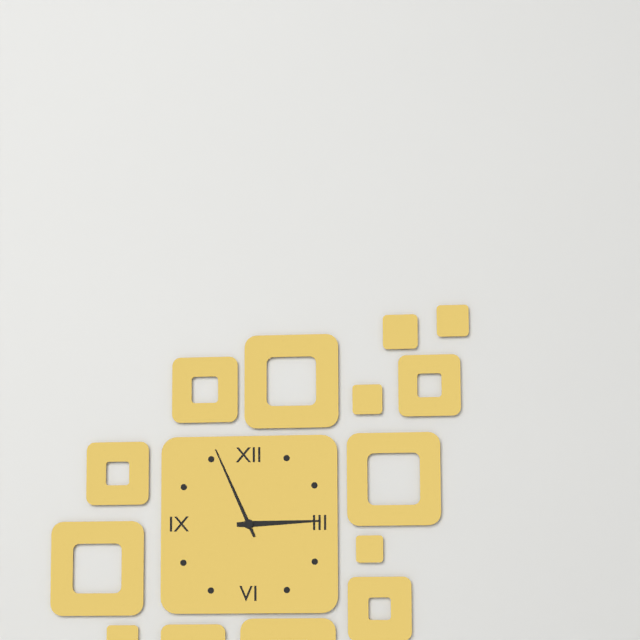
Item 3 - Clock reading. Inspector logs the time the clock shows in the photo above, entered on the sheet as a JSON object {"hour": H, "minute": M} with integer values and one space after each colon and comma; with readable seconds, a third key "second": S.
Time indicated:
{"hour": 2, "minute": 56}
